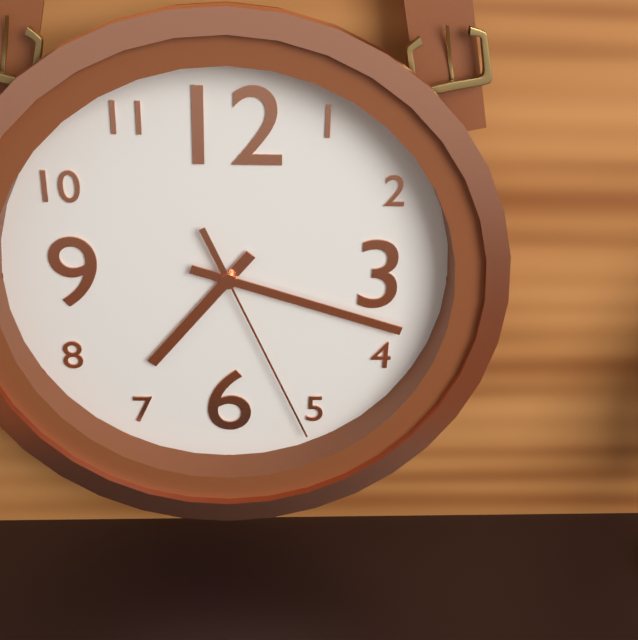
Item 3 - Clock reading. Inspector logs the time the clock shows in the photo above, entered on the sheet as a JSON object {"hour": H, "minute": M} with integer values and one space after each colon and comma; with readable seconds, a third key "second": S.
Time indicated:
{"hour": 7, "minute": 18, "second": 26}
